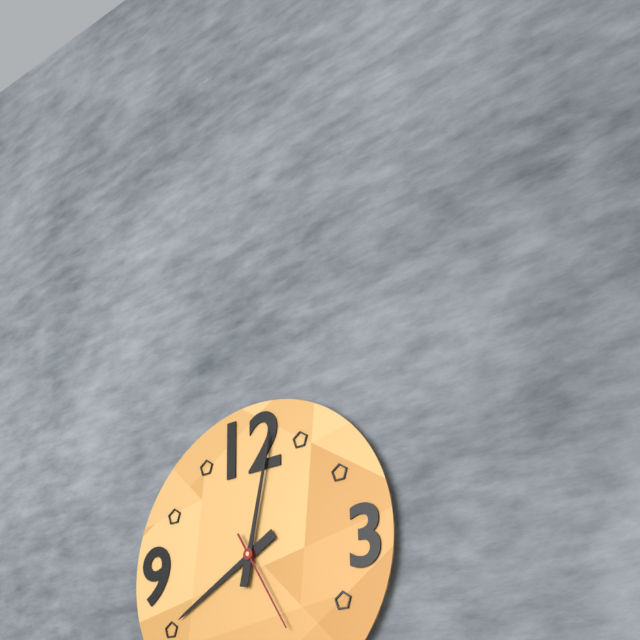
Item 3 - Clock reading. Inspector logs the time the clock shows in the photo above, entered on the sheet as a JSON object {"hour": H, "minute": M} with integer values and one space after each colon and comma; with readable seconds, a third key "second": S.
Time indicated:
{"hour": 8, "minute": 2, "second": 25}
